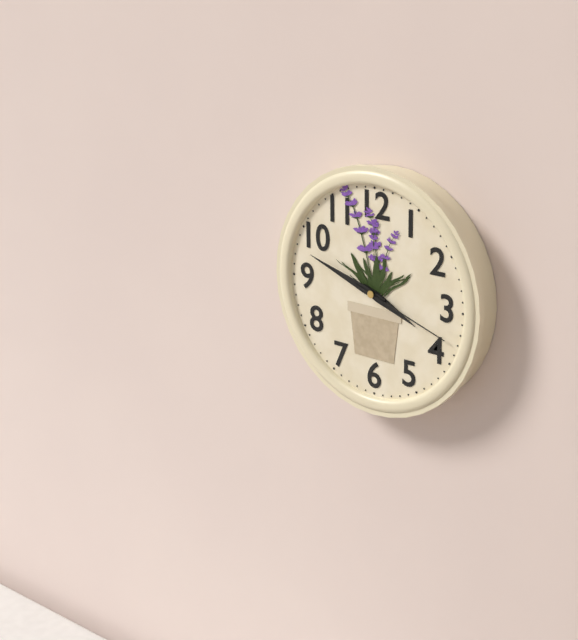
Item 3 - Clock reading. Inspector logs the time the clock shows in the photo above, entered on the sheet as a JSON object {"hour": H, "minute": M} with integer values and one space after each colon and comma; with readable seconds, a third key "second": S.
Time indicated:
{"hour": 3, "minute": 48, "second": 18}
